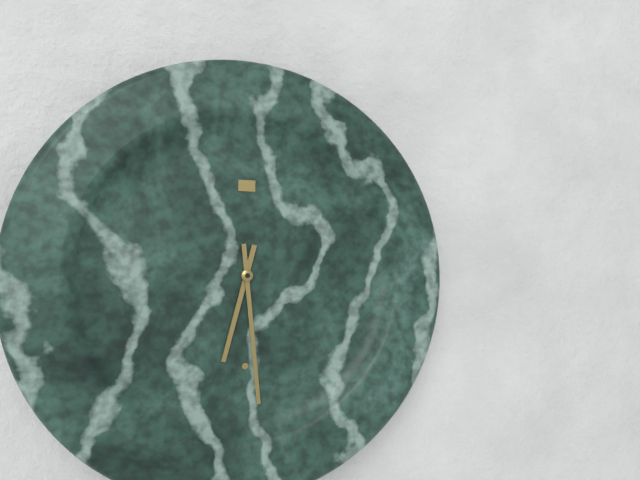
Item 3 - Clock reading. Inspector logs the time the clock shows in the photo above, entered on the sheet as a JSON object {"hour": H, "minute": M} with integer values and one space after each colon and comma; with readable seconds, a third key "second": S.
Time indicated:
{"hour": 6, "minute": 29}
